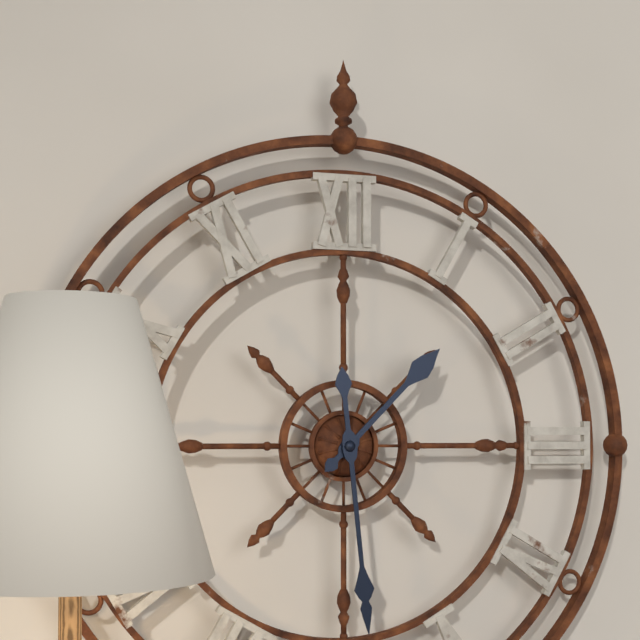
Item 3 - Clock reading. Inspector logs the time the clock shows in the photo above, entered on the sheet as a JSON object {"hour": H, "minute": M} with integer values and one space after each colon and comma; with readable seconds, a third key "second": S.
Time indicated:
{"hour": 1, "minute": 29}
